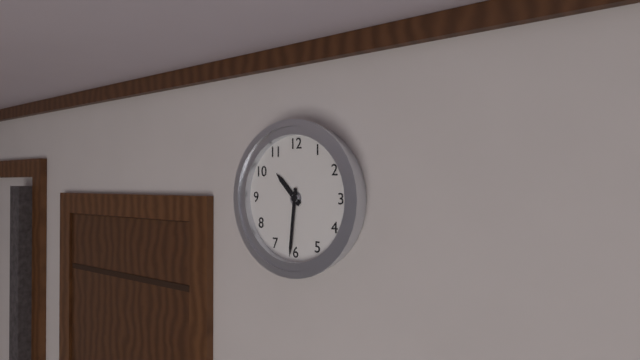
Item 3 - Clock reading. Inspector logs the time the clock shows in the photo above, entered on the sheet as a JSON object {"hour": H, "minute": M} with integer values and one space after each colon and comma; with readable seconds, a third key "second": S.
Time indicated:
{"hour": 10, "minute": 31}
